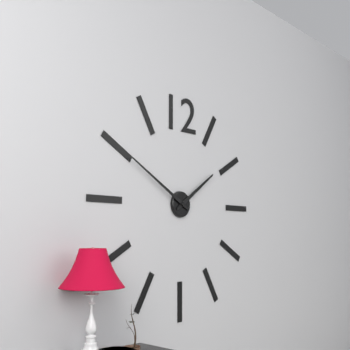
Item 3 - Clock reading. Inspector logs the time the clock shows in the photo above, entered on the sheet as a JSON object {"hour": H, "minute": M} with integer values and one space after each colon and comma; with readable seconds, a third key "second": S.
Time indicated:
{"hour": 1, "minute": 50}
